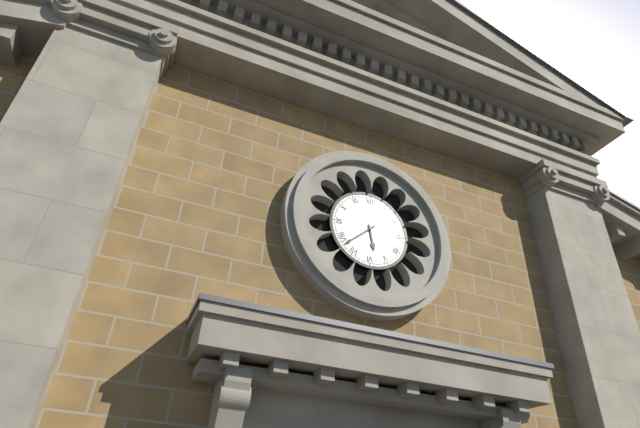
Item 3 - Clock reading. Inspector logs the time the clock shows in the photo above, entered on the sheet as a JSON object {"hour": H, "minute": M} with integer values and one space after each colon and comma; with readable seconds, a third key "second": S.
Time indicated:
{"hour": 5, "minute": 38}
